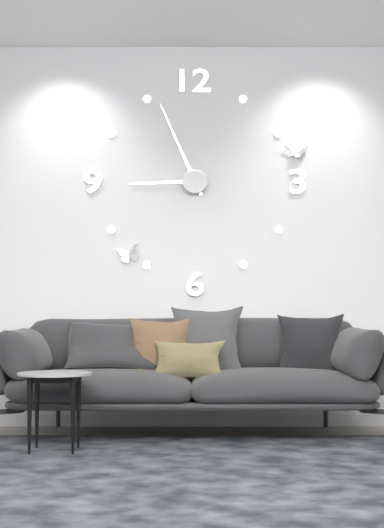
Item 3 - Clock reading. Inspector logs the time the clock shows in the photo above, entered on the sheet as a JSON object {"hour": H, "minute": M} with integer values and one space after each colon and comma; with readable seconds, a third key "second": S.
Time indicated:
{"hour": 8, "minute": 56}
